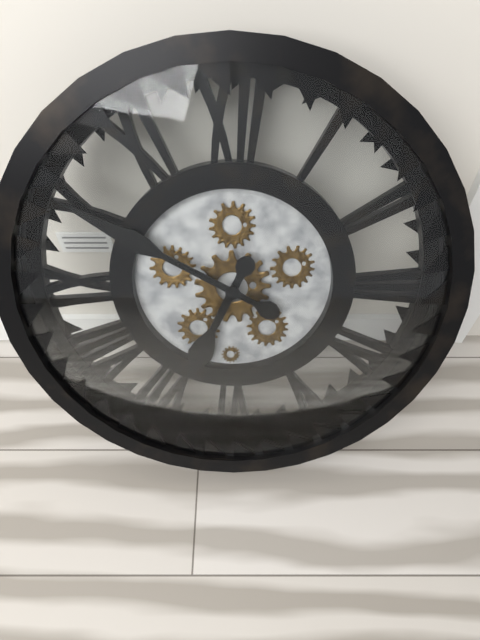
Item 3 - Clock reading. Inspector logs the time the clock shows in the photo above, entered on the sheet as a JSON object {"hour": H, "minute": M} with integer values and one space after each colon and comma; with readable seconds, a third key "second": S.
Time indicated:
{"hour": 6, "minute": 50}
